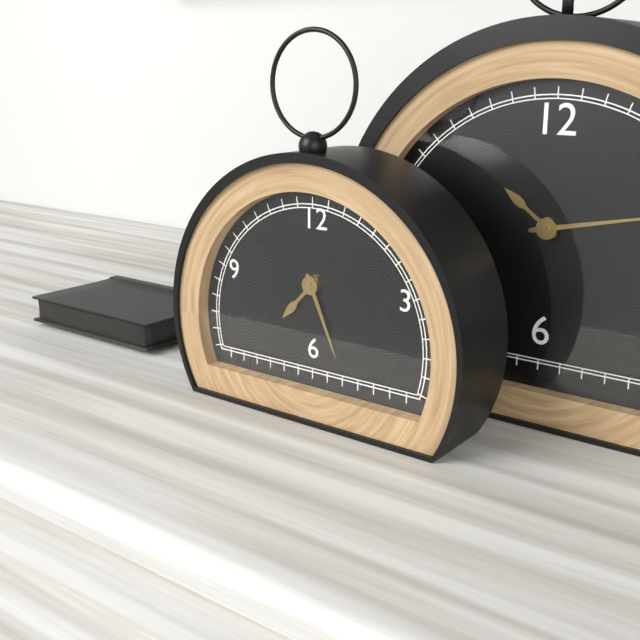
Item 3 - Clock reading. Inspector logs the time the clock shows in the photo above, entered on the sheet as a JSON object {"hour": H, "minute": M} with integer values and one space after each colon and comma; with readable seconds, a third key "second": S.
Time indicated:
{"hour": 7, "minute": 26}
